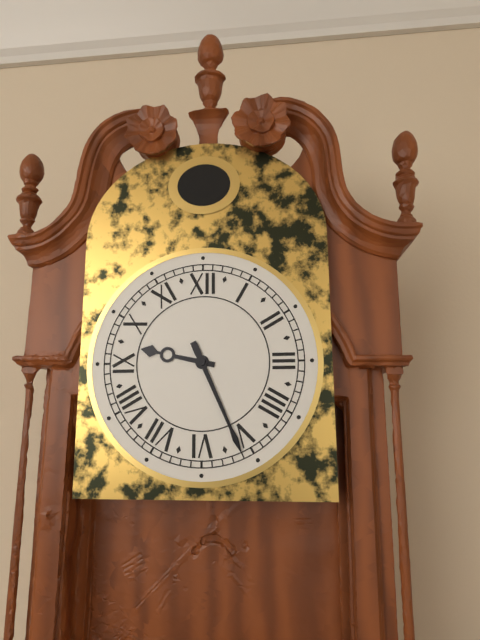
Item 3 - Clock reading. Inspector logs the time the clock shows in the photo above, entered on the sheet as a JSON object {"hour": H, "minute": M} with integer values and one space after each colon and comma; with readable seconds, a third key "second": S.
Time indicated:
{"hour": 9, "minute": 26}
